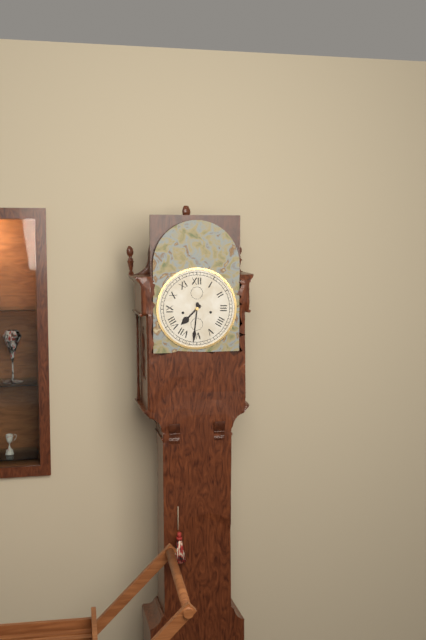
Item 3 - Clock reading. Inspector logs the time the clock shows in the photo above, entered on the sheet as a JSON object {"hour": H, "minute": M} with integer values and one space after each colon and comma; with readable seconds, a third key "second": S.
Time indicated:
{"hour": 7, "minute": 31}
